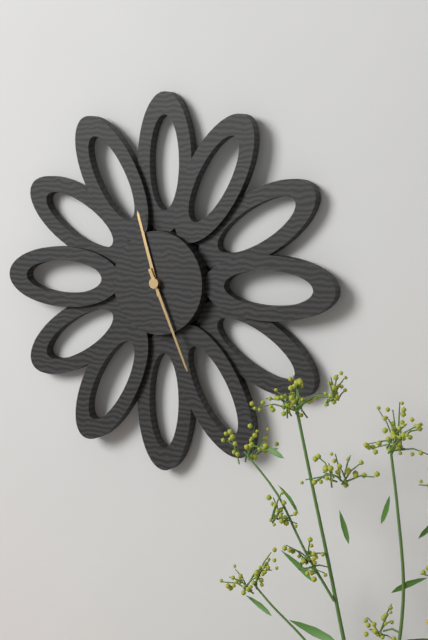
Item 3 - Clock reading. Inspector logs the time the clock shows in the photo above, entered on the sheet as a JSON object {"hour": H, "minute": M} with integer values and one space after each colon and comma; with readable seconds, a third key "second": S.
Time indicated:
{"hour": 11, "minute": 26}
